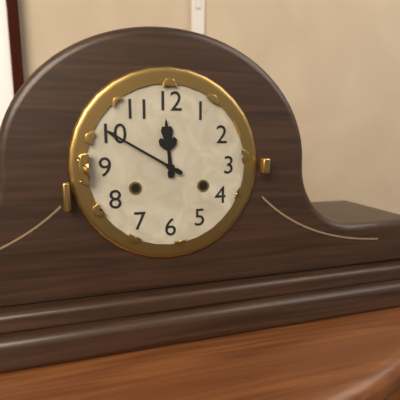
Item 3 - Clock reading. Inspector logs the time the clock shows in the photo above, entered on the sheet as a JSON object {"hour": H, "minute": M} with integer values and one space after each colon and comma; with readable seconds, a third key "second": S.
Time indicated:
{"hour": 11, "minute": 50}
